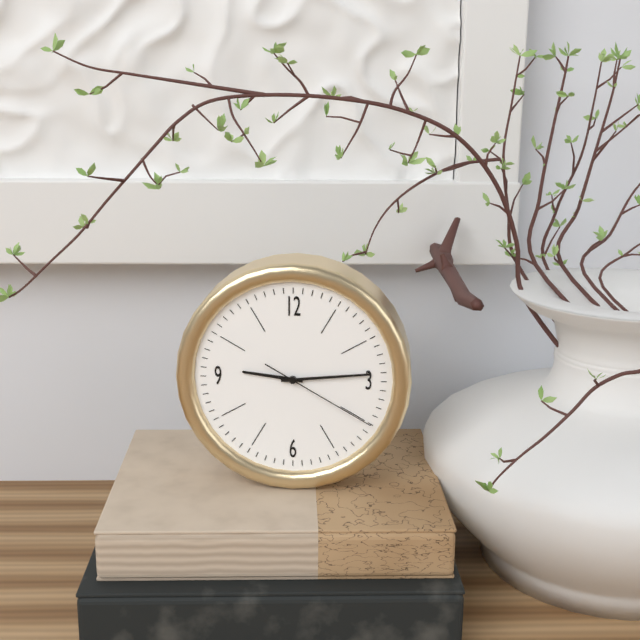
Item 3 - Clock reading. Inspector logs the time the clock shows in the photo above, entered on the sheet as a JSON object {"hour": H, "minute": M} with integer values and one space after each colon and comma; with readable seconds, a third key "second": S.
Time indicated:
{"hour": 9, "minute": 14, "second": 20}
